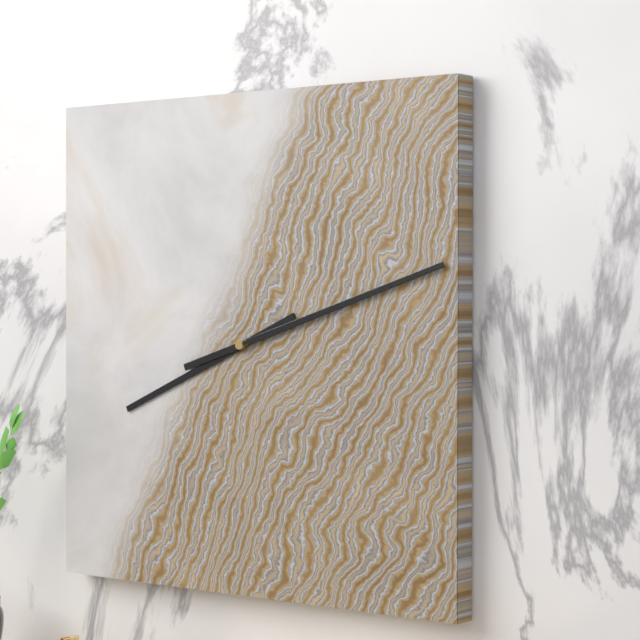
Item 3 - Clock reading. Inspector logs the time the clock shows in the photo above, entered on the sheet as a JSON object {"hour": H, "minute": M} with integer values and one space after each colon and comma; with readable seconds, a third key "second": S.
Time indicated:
{"hour": 8, "minute": 12}
